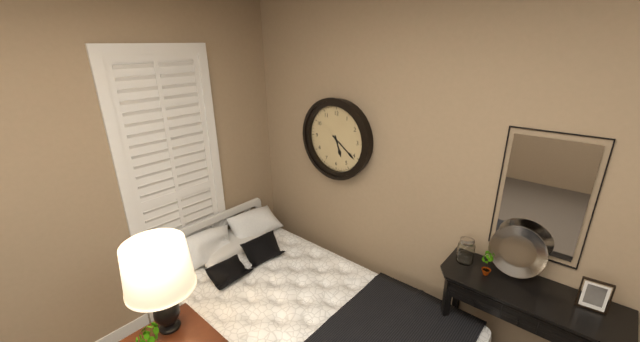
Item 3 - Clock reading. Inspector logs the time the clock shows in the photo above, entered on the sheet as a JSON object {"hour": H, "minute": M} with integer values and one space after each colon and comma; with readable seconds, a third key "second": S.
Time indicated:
{"hour": 5, "minute": 21}
